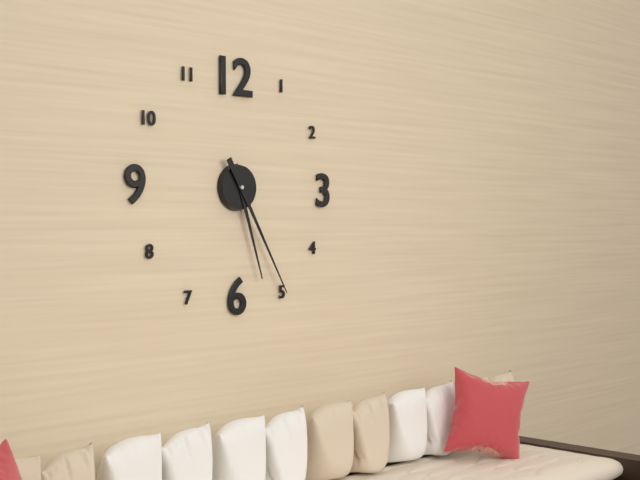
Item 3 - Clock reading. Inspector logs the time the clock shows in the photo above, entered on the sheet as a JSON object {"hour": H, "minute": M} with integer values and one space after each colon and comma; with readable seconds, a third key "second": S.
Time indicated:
{"hour": 5, "minute": 25}
